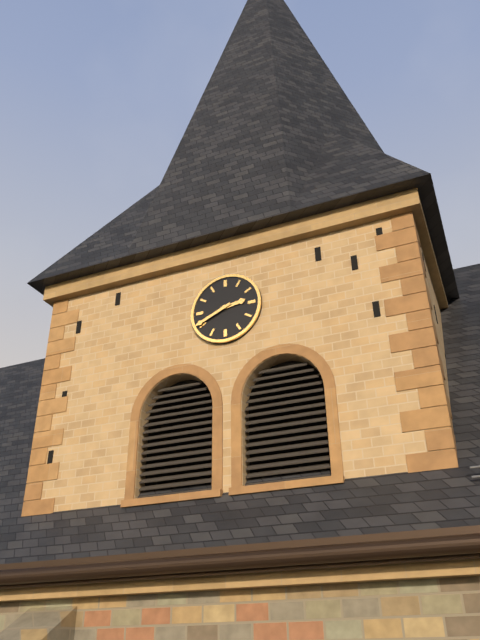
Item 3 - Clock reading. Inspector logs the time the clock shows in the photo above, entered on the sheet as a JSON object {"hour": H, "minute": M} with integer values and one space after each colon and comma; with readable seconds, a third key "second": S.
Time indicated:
{"hour": 2, "minute": 41}
